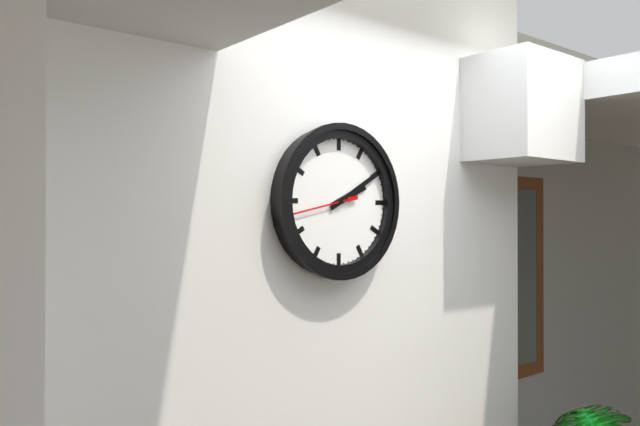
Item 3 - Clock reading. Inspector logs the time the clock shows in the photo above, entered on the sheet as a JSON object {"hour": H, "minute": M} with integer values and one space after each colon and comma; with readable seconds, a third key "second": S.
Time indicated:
{"hour": 2, "minute": 10, "second": 43}
